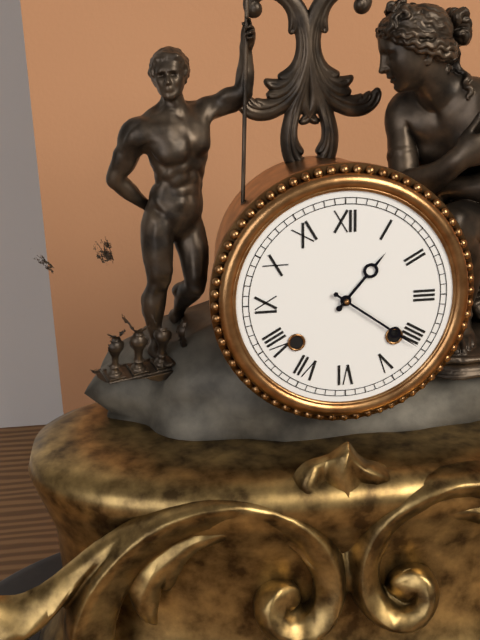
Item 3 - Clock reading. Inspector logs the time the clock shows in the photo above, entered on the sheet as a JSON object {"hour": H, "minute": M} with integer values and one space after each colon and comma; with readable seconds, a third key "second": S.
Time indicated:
{"hour": 1, "minute": 21}
